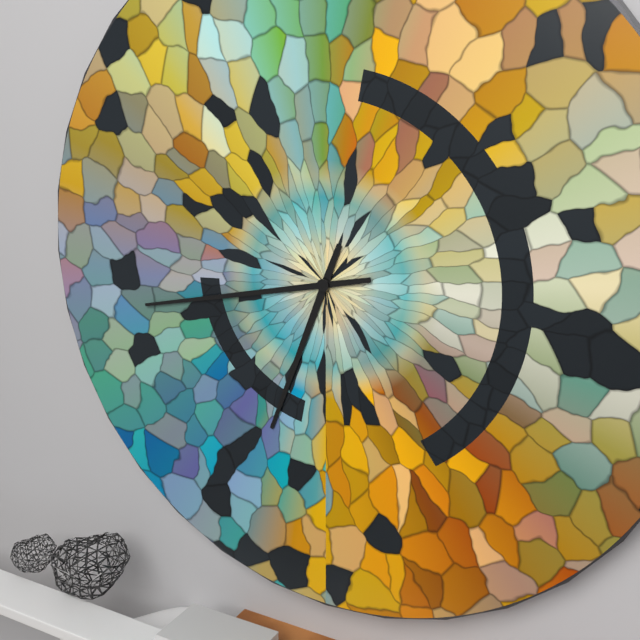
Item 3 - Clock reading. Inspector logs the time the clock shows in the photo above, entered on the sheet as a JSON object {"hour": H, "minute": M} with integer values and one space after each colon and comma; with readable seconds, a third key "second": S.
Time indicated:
{"hour": 6, "minute": 43}
